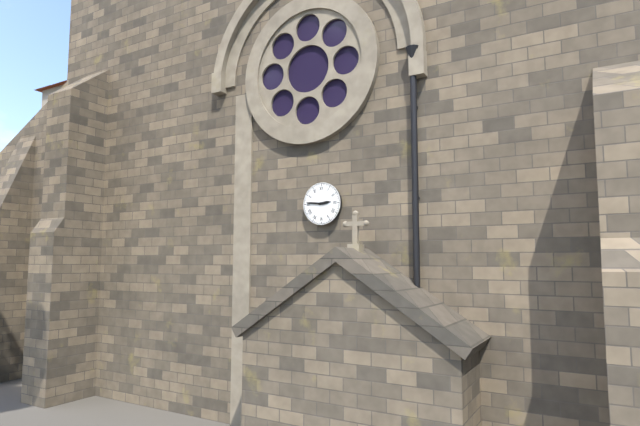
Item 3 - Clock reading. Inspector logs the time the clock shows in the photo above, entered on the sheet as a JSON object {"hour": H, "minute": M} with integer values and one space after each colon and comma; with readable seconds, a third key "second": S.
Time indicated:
{"hour": 2, "minute": 46}
